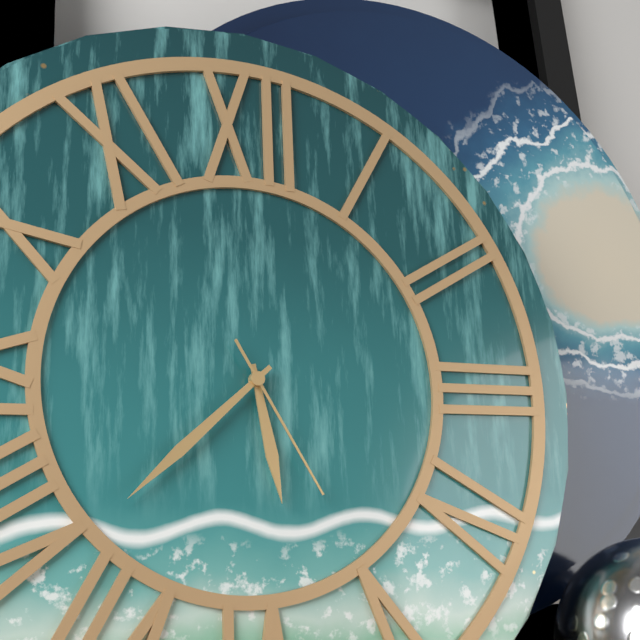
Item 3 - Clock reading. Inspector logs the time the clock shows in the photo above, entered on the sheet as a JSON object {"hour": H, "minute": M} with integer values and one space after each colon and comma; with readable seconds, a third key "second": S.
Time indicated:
{"hour": 5, "minute": 38, "second": 25}
